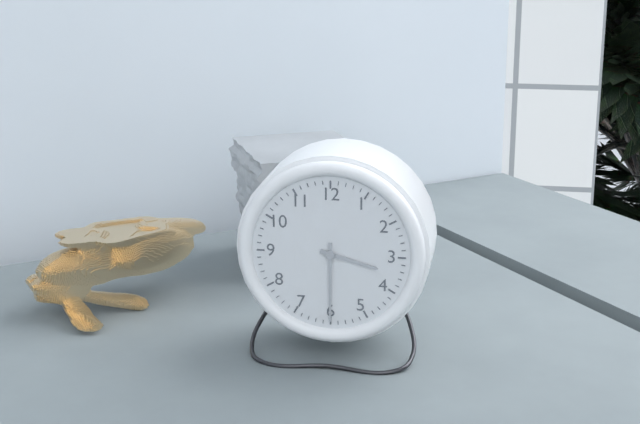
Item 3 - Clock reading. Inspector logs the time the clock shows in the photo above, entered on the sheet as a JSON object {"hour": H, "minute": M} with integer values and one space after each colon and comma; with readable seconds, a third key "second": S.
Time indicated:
{"hour": 3, "minute": 30}
